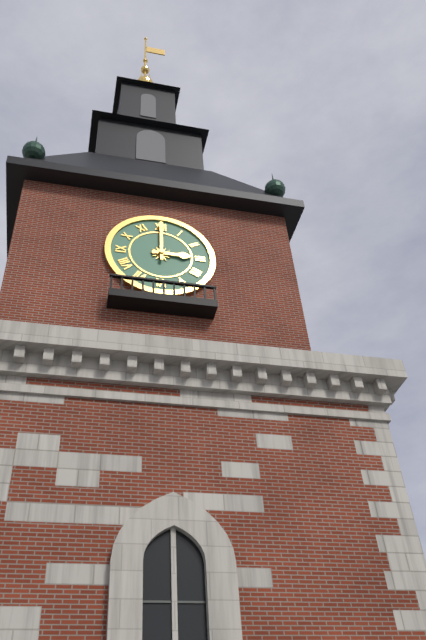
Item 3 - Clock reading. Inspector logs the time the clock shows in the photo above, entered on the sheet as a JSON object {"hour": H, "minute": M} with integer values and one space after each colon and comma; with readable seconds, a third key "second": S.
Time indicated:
{"hour": 3, "minute": 0}
